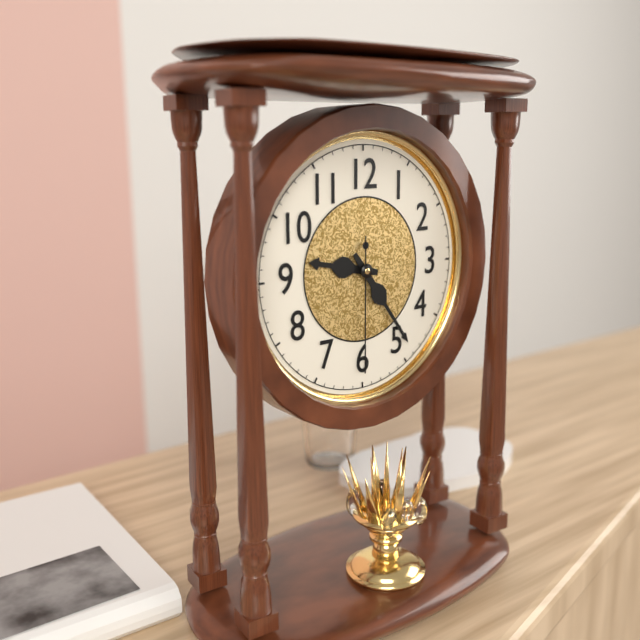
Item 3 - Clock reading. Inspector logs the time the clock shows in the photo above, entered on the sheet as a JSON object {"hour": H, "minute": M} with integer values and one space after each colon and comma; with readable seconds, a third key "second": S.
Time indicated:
{"hour": 9, "minute": 24, "second": 30}
